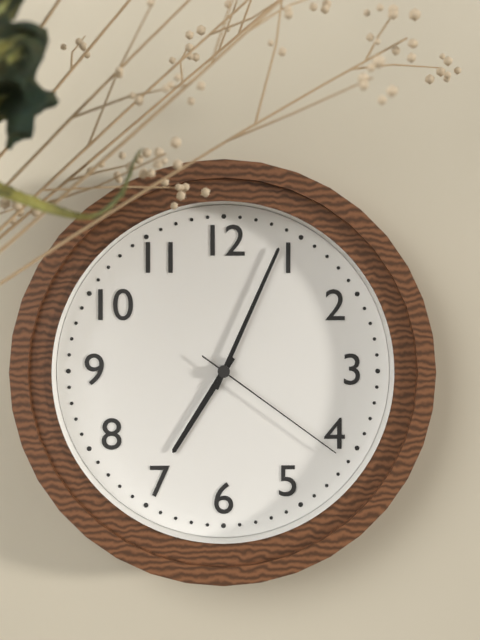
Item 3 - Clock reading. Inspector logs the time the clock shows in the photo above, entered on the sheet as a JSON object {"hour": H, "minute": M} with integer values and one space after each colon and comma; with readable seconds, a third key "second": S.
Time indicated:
{"hour": 7, "minute": 4, "second": 21}
